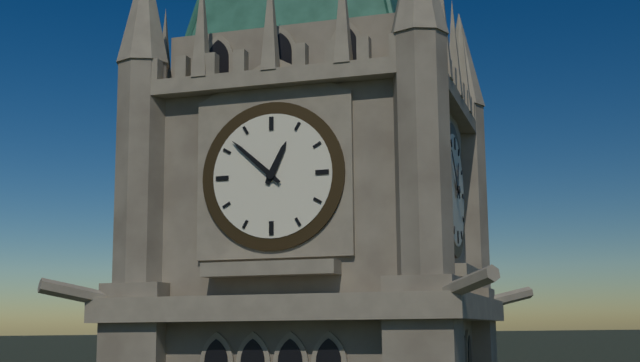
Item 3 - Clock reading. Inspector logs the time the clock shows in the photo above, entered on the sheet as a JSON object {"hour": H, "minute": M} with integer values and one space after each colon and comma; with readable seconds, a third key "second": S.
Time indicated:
{"hour": 12, "minute": 52}
